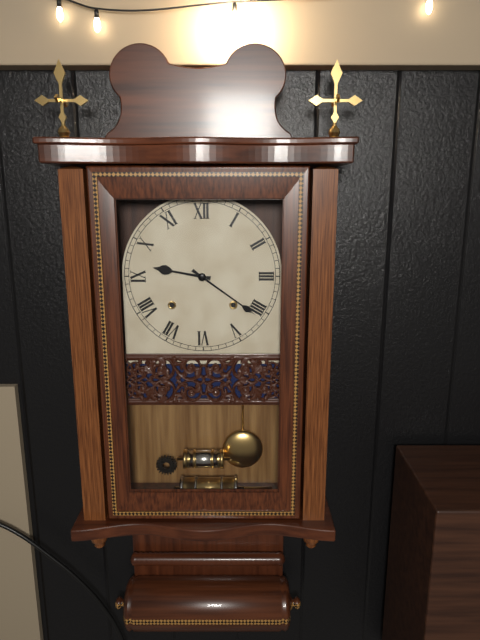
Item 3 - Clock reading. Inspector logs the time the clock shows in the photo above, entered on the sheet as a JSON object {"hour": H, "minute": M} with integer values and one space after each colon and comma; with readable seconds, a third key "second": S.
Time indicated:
{"hour": 9, "minute": 21}
